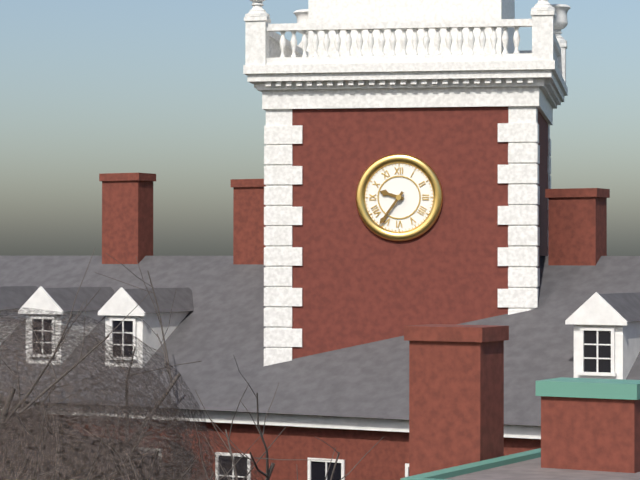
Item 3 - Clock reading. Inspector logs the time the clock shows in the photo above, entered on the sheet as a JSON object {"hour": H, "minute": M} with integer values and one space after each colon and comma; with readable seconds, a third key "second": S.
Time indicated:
{"hour": 9, "minute": 36}
